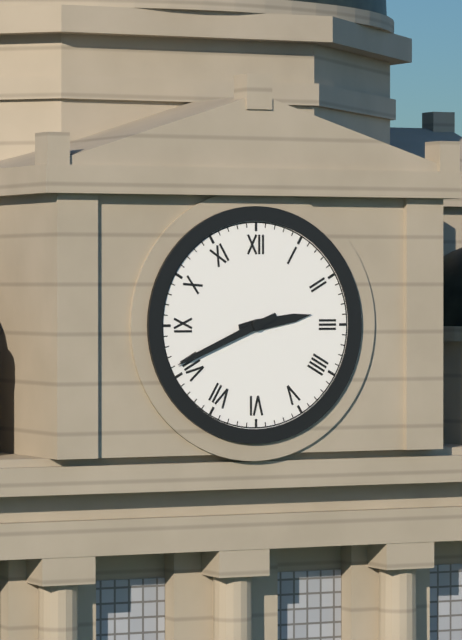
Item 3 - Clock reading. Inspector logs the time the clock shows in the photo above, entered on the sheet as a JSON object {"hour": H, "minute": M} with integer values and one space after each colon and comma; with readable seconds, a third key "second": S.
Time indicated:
{"hour": 2, "minute": 41}
